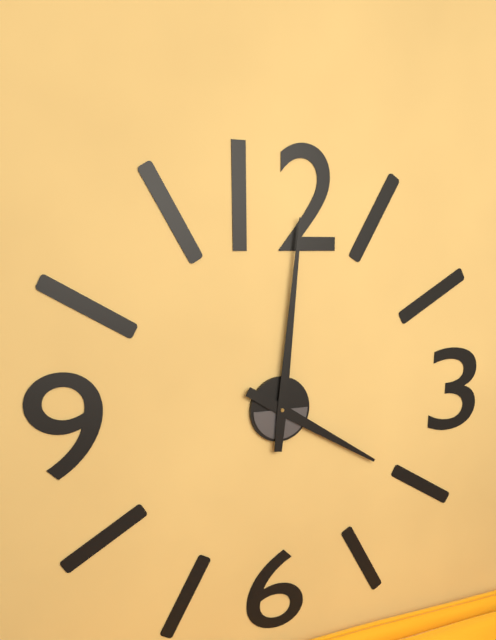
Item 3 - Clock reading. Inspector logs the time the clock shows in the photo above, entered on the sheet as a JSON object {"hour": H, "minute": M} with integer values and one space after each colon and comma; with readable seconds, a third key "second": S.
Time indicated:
{"hour": 4, "minute": 1}
